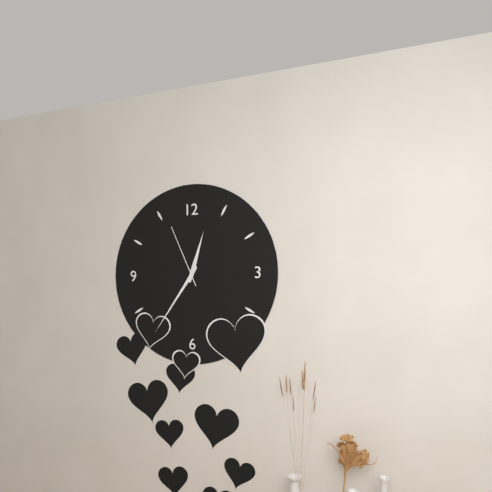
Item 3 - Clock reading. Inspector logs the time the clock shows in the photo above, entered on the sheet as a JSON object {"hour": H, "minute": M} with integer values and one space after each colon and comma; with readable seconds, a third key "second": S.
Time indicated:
{"hour": 12, "minute": 36, "second": 56}
